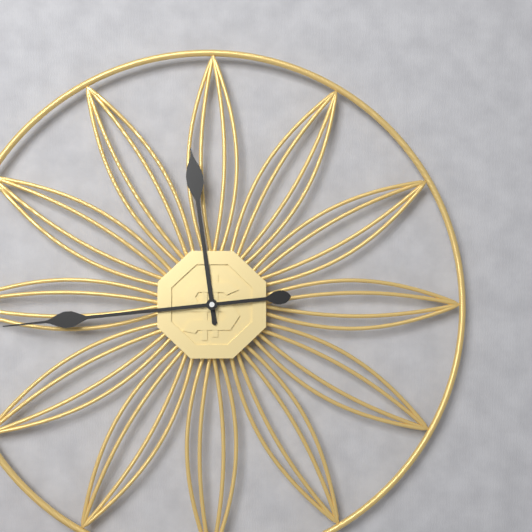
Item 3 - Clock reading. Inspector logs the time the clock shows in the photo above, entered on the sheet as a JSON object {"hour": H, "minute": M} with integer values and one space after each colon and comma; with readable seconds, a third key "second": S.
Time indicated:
{"hour": 11, "minute": 44}
